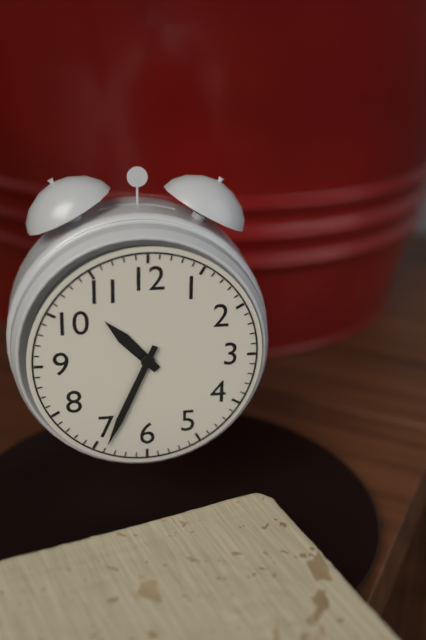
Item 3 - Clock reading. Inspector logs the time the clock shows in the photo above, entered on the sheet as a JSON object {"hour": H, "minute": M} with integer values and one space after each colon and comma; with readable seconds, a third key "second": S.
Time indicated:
{"hour": 10, "minute": 34}
